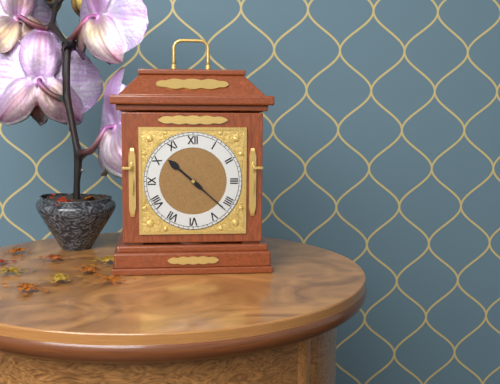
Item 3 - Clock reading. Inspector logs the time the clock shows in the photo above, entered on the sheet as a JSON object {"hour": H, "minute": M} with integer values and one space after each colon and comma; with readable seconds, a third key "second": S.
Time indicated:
{"hour": 10, "minute": 22}
